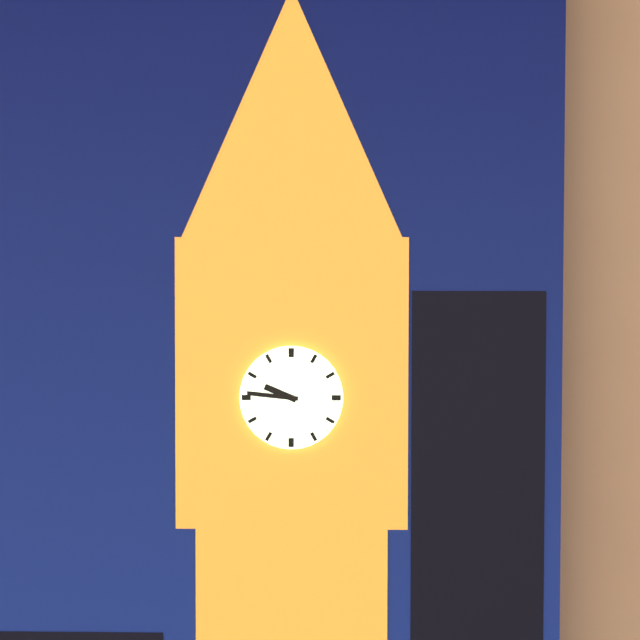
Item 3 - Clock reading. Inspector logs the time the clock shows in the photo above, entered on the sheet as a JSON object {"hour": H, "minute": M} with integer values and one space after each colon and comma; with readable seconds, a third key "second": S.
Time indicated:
{"hour": 9, "minute": 46}
